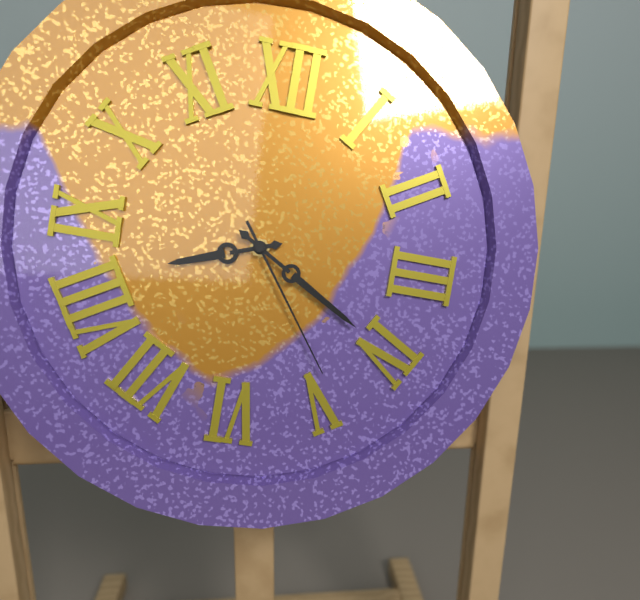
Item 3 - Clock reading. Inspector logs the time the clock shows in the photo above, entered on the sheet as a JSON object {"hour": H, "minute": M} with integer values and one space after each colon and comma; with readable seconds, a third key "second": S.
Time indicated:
{"hour": 8, "minute": 20, "second": 24}
